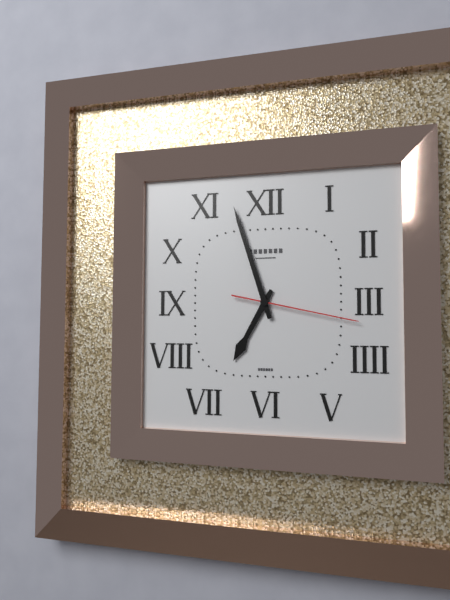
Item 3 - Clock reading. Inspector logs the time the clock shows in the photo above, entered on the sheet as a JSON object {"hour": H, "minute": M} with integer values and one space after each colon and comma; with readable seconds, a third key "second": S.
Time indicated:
{"hour": 6, "minute": 57, "second": 17}
